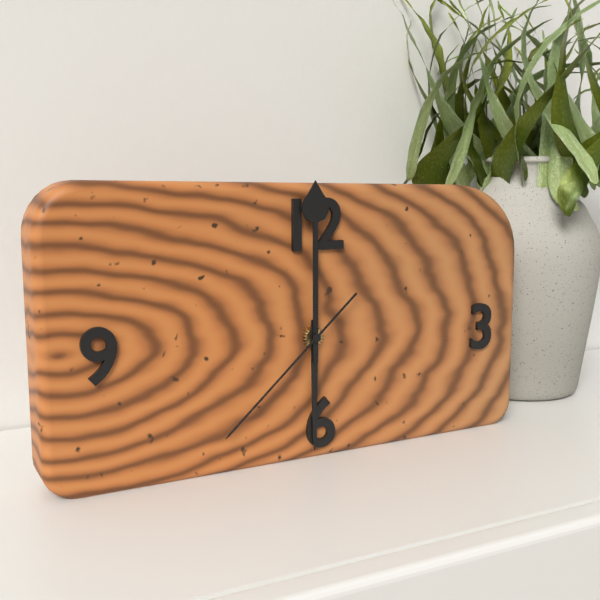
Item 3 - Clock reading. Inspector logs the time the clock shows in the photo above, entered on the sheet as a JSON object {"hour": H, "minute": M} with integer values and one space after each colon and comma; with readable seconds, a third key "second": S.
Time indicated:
{"hour": 6, "minute": 0, "second": 38}
